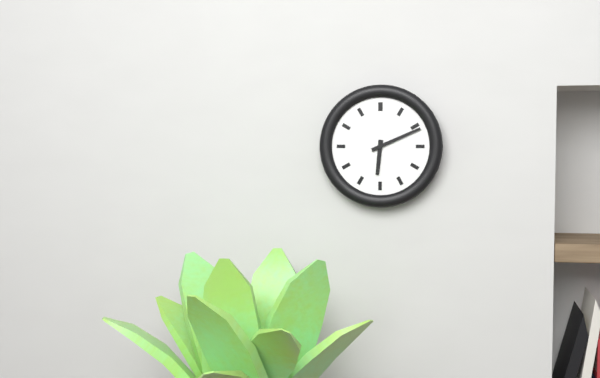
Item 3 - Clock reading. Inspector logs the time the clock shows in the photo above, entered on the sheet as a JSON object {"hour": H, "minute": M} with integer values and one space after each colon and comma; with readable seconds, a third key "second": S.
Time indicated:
{"hour": 6, "minute": 11}
